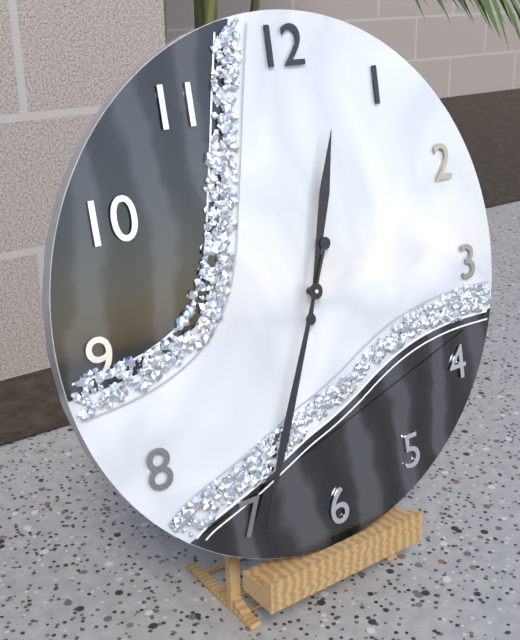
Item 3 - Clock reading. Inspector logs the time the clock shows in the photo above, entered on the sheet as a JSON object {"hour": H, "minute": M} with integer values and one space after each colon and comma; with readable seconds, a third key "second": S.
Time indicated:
{"hour": 12, "minute": 34}
